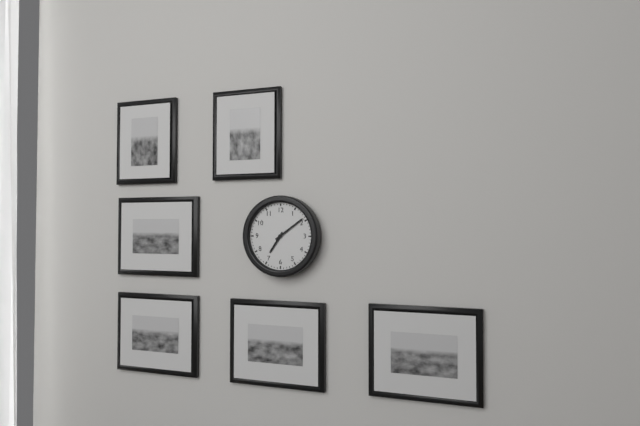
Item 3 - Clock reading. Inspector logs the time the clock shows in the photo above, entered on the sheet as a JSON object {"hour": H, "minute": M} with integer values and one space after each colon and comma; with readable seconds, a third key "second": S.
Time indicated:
{"hour": 7, "minute": 9}
